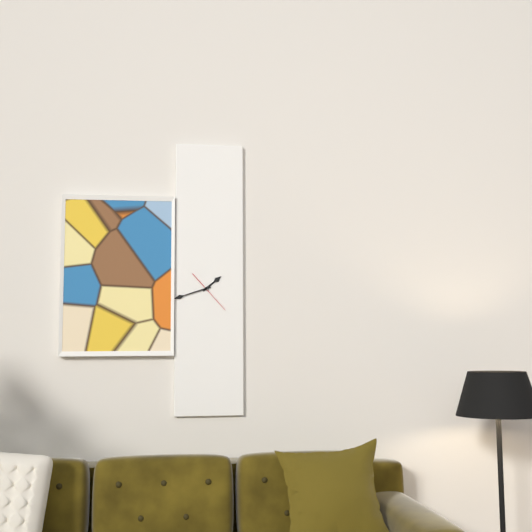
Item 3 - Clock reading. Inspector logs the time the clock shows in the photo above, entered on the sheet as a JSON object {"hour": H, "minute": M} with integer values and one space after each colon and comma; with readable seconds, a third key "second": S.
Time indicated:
{"hour": 1, "minute": 42}
